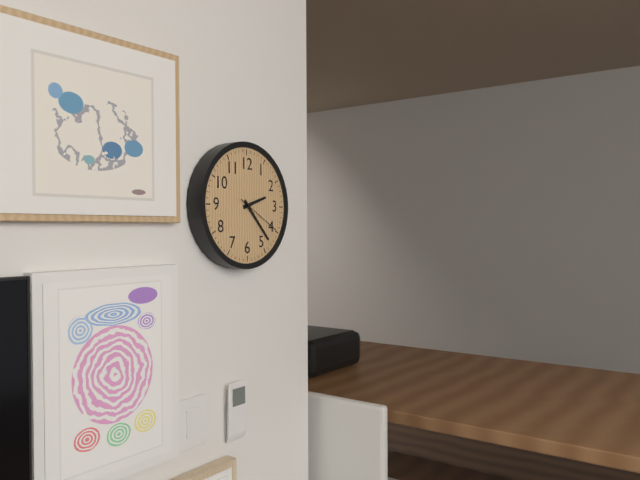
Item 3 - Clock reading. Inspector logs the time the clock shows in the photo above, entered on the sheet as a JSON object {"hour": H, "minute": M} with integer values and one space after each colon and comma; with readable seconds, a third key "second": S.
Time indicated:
{"hour": 2, "minute": 23}
